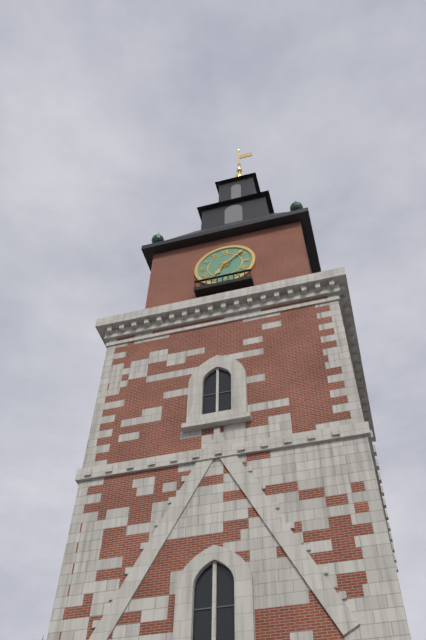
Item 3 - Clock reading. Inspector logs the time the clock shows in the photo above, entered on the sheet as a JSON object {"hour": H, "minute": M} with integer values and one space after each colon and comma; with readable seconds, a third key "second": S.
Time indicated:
{"hour": 7, "minute": 8}
